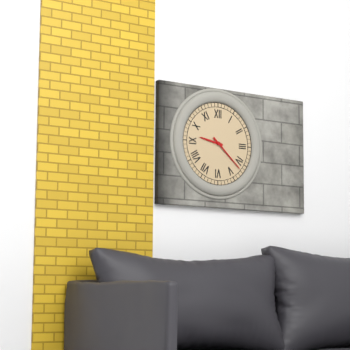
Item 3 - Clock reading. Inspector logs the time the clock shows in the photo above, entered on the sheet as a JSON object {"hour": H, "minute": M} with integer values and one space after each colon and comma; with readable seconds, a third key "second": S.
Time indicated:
{"hour": 9, "minute": 22}
